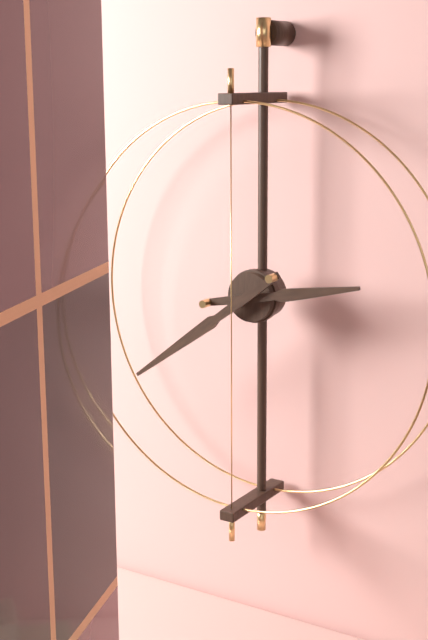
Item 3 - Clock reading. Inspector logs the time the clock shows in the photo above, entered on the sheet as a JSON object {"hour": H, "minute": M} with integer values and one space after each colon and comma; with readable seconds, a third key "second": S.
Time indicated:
{"hour": 2, "minute": 39}
